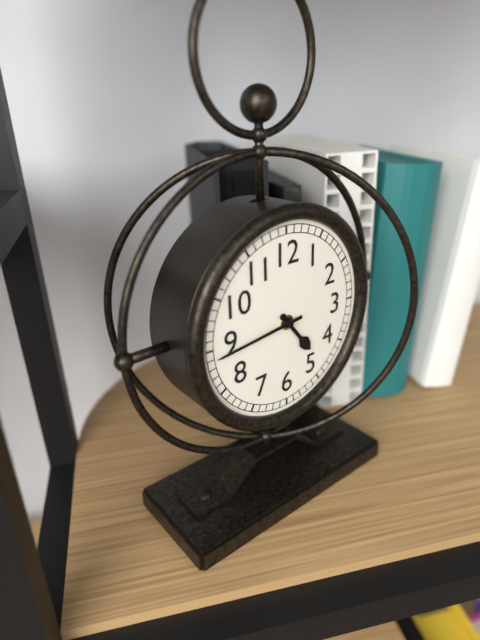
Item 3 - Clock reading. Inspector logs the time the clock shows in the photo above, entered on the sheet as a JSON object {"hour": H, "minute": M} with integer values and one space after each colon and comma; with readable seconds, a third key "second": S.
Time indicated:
{"hour": 4, "minute": 44}
